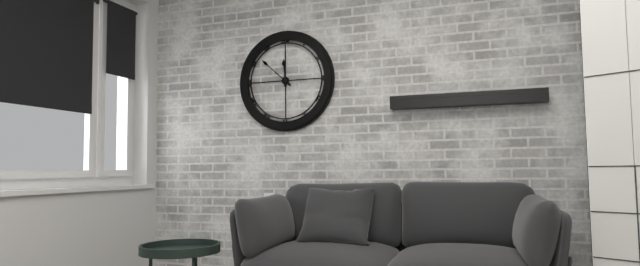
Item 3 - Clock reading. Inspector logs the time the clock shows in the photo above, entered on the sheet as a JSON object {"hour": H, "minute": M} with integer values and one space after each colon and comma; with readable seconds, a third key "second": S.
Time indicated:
{"hour": 11, "minute": 52}
